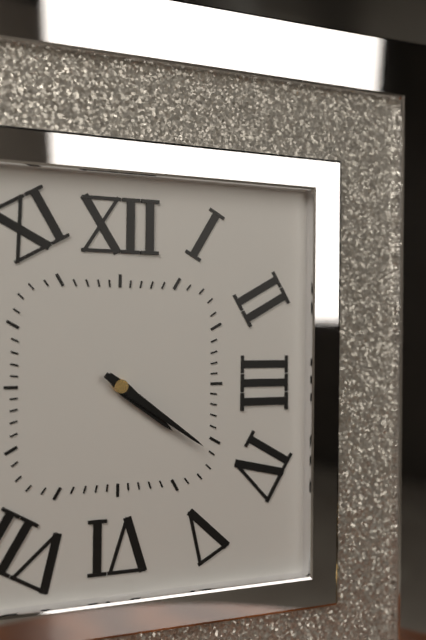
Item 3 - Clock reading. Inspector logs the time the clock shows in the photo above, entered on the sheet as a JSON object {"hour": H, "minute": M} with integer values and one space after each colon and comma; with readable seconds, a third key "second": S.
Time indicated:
{"hour": 4, "minute": 21}
